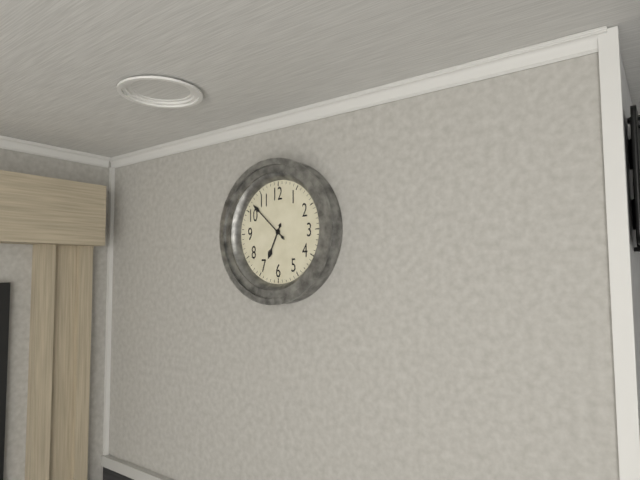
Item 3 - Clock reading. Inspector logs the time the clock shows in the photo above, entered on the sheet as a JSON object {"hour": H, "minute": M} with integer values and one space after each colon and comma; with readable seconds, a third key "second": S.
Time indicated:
{"hour": 6, "minute": 52}
